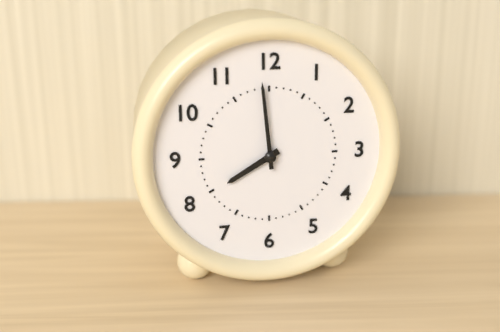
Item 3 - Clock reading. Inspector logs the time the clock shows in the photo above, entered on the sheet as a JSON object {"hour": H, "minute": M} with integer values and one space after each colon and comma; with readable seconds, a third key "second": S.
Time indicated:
{"hour": 7, "minute": 59}
